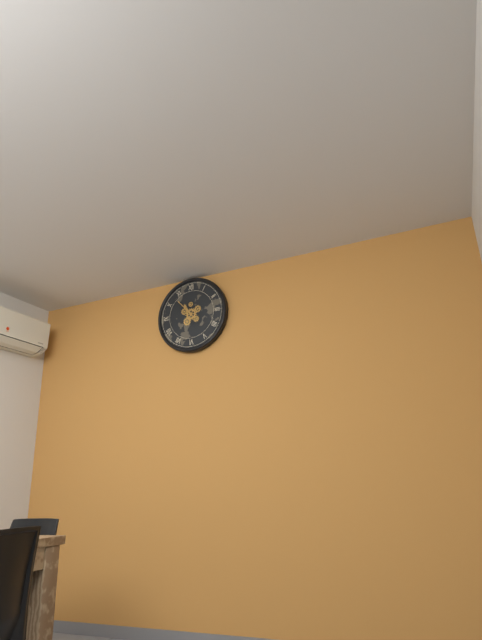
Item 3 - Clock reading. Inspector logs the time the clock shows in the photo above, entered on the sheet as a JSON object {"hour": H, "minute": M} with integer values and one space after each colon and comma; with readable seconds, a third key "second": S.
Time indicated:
{"hour": 10, "minute": 53}
